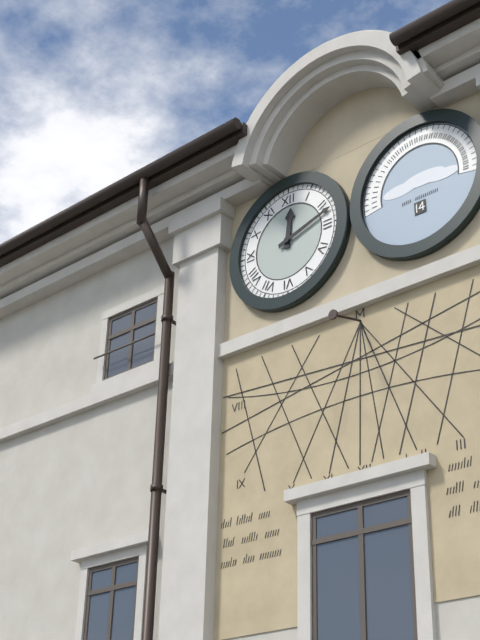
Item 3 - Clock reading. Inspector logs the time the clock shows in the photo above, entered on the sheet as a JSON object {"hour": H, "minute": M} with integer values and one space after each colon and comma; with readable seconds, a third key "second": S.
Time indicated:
{"hour": 12, "minute": 12}
